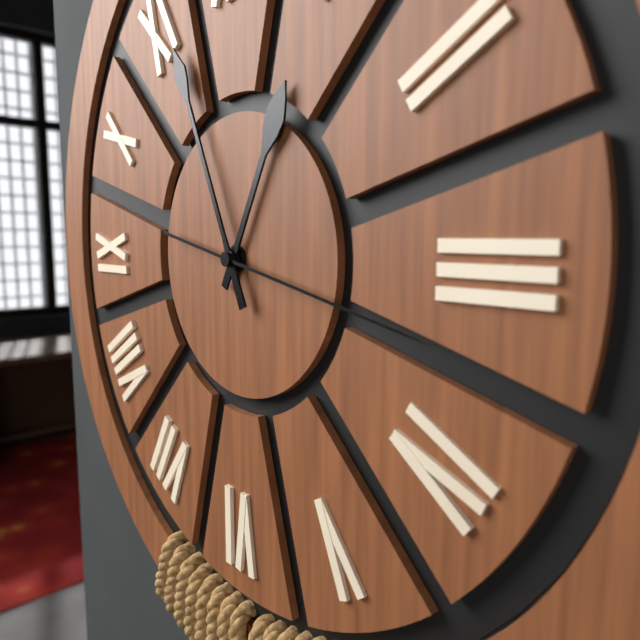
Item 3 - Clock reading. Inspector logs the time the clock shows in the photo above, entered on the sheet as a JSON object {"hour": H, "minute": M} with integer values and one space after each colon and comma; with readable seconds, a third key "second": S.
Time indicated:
{"hour": 12, "minute": 56, "second": 17}
